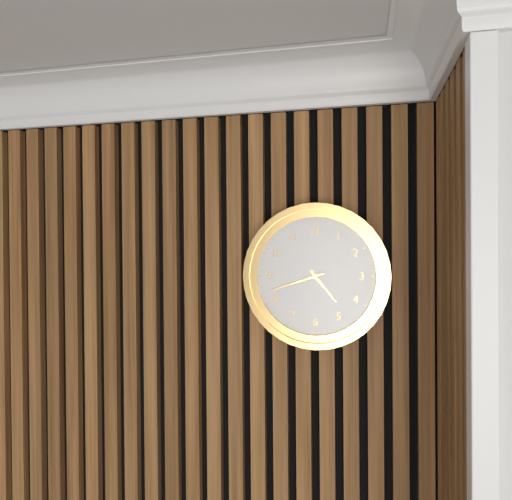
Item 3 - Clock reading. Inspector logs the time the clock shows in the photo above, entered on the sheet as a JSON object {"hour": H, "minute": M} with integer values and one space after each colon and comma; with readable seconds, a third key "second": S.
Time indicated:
{"hour": 4, "minute": 42}
